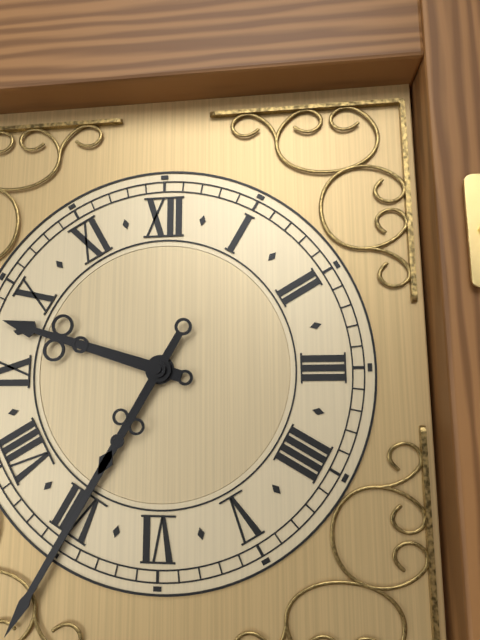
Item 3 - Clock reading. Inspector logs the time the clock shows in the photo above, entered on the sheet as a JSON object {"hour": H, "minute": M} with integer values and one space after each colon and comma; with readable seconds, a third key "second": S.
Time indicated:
{"hour": 9, "minute": 35}
